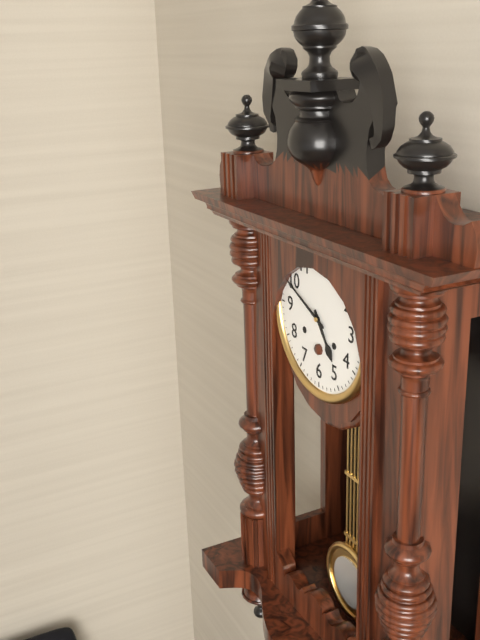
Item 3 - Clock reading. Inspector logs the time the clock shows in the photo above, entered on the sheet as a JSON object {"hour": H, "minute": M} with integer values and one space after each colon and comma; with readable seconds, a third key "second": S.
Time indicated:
{"hour": 4, "minute": 49}
